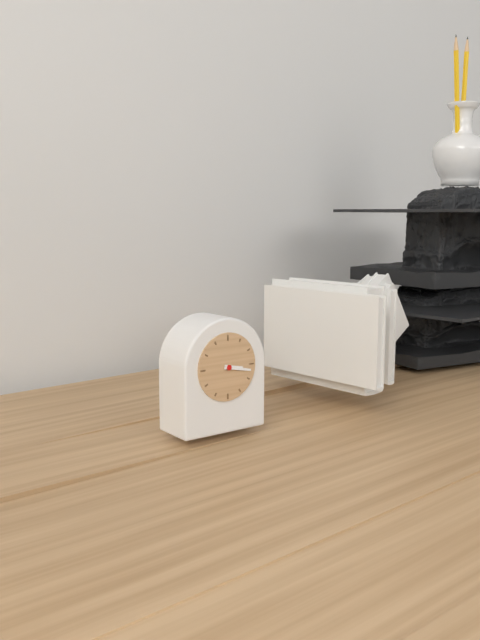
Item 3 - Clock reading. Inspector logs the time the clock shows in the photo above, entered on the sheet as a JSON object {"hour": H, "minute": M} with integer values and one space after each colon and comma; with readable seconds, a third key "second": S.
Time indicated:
{"hour": 3, "minute": 17}
